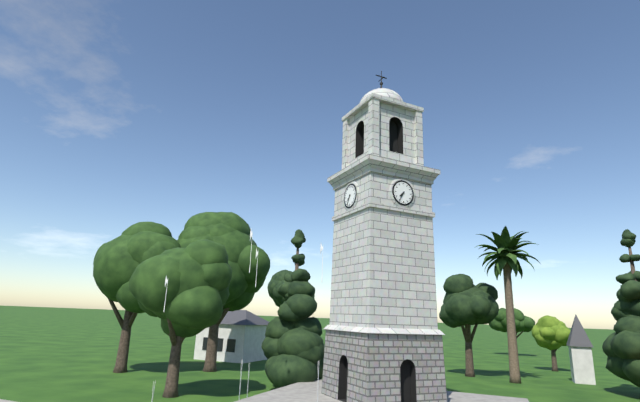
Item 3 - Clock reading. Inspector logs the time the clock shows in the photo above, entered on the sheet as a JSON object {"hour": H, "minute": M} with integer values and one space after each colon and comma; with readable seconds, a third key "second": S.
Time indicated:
{"hour": 7, "minute": 35}
